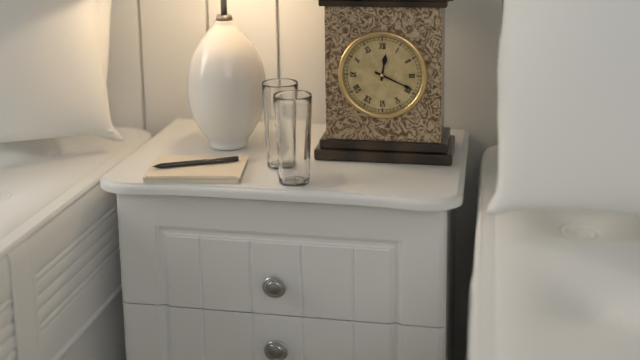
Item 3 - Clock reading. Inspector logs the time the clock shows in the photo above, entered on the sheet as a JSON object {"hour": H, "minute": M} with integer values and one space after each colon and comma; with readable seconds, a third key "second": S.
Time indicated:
{"hour": 12, "minute": 19}
